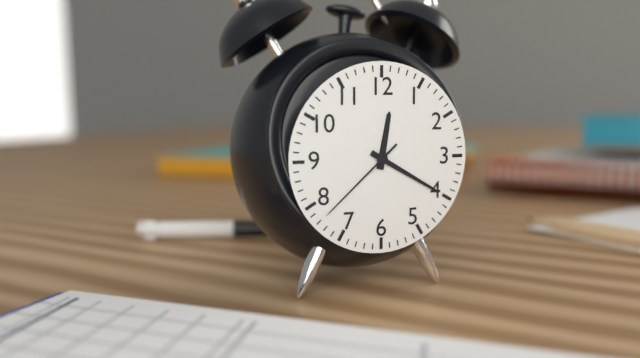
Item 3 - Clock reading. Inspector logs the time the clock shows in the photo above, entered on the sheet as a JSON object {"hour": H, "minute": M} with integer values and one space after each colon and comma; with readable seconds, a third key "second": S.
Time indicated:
{"hour": 12, "minute": 20, "second": 38}
